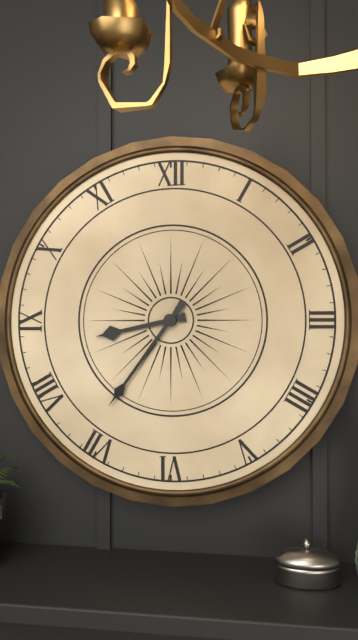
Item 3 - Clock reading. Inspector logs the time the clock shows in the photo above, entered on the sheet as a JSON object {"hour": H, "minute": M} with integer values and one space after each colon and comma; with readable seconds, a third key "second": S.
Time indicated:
{"hour": 8, "minute": 36}
